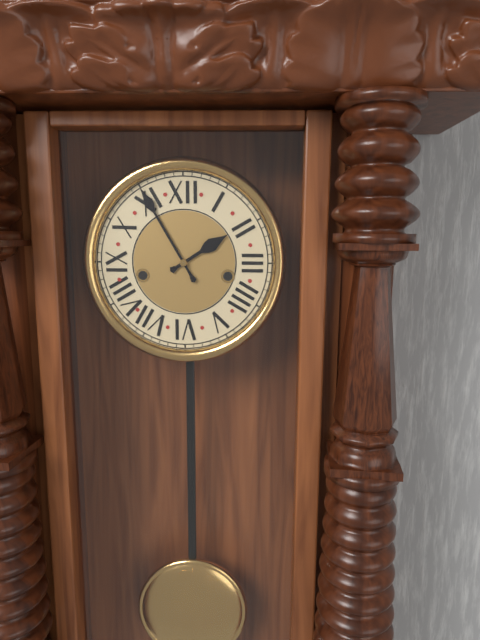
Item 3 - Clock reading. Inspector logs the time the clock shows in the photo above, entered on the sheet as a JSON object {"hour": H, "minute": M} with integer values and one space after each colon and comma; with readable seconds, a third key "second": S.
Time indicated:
{"hour": 1, "minute": 55}
